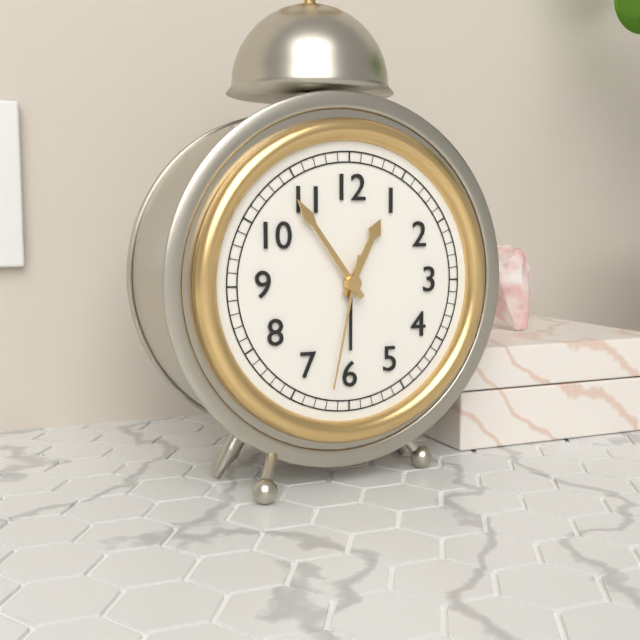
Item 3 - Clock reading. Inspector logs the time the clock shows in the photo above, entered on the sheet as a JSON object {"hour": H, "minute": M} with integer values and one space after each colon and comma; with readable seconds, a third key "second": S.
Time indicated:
{"hour": 12, "minute": 54, "second": 32}
